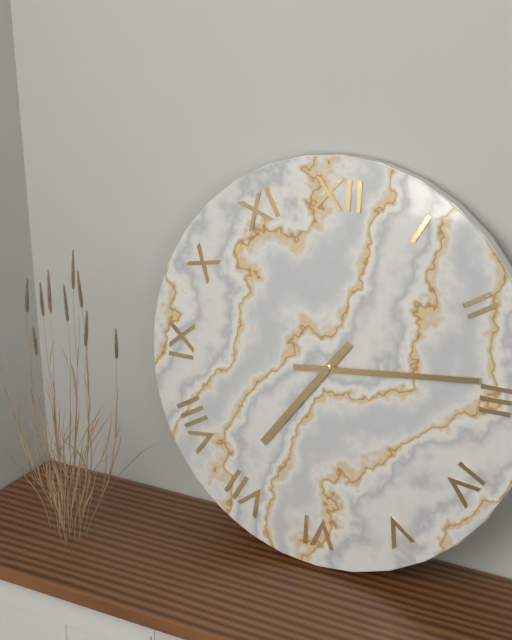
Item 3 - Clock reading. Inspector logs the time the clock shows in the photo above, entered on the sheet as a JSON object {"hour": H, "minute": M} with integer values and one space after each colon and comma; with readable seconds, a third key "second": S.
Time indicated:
{"hour": 7, "minute": 14}
